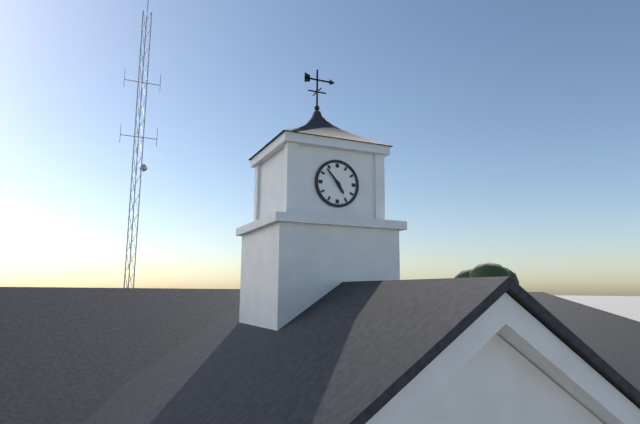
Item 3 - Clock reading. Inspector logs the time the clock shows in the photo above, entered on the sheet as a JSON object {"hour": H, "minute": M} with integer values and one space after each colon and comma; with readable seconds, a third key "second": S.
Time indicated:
{"hour": 4, "minute": 53}
